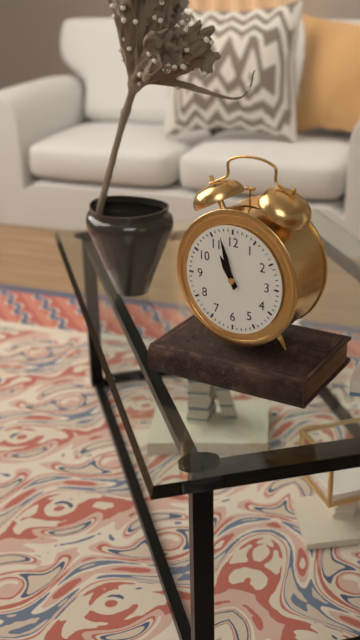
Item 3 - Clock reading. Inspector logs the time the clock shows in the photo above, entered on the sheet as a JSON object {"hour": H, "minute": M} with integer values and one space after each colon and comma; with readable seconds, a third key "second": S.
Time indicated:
{"hour": 10, "minute": 57}
